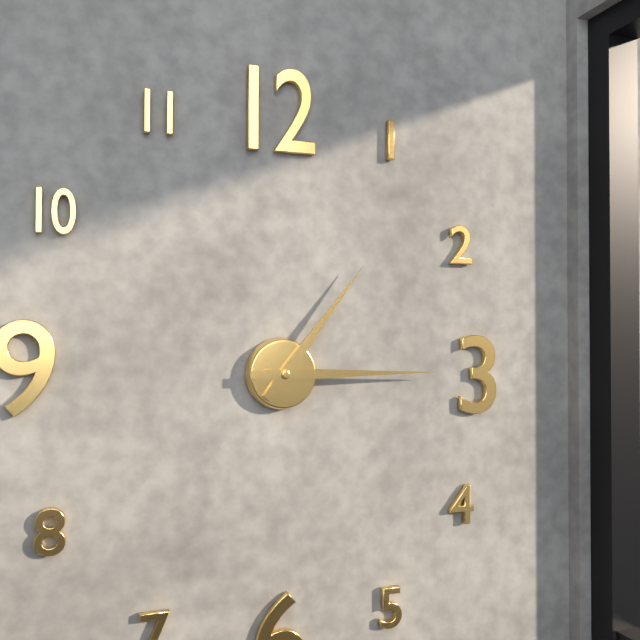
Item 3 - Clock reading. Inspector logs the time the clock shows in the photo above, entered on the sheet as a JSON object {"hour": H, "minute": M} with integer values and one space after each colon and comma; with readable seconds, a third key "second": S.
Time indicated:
{"hour": 1, "minute": 15}
